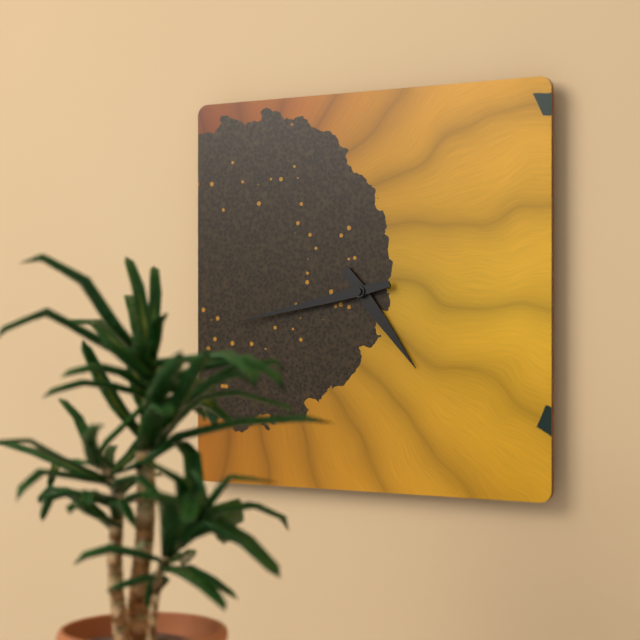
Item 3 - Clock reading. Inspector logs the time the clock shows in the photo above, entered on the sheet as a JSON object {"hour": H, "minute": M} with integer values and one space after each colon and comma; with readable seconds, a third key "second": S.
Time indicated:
{"hour": 4, "minute": 43}
